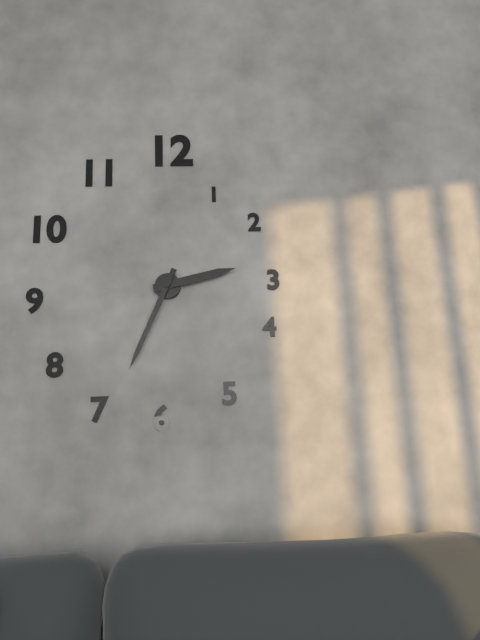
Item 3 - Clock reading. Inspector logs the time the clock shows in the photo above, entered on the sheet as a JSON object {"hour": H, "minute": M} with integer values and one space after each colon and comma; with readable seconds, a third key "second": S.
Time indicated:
{"hour": 2, "minute": 34}
